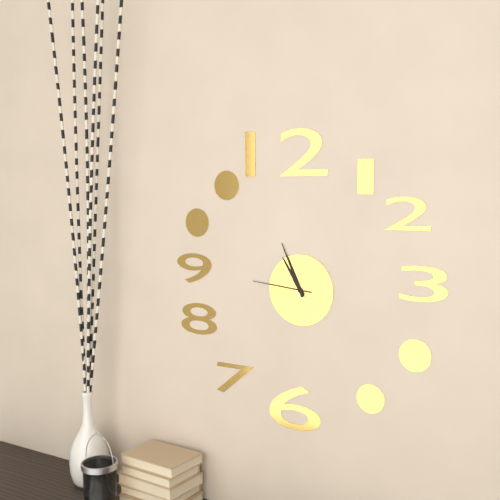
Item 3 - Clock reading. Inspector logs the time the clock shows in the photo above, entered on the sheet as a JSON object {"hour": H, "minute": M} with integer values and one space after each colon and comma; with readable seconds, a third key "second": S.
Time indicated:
{"hour": 10, "minute": 56, "second": 46}
